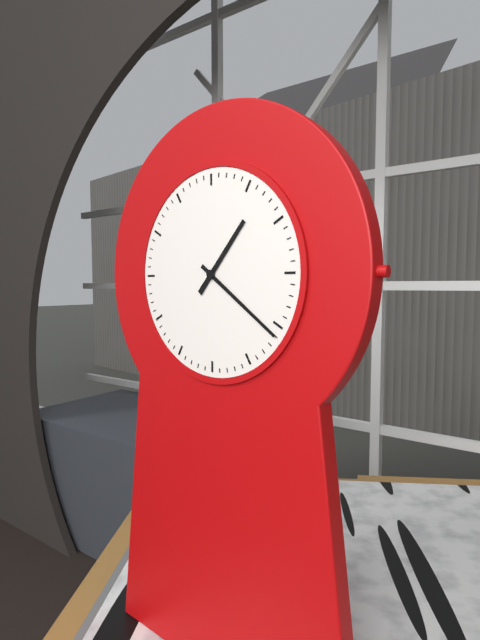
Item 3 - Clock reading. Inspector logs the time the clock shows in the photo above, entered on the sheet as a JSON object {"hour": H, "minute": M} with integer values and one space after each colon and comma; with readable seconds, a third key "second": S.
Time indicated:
{"hour": 1, "minute": 21}
